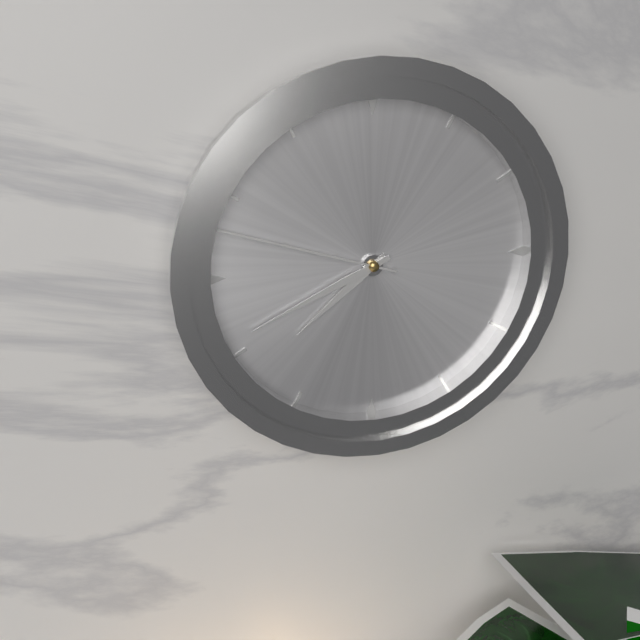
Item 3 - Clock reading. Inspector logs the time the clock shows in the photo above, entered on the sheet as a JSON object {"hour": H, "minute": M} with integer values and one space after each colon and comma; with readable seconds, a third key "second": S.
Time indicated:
{"hour": 7, "minute": 41, "second": 48}
